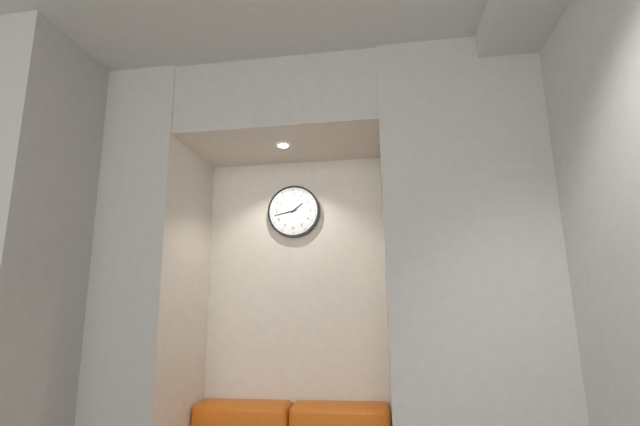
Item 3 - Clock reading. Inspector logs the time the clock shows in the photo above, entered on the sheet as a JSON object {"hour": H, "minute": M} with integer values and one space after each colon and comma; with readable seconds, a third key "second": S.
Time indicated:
{"hour": 1, "minute": 43}
